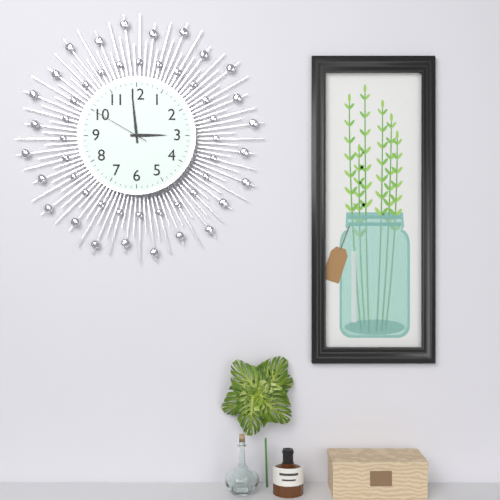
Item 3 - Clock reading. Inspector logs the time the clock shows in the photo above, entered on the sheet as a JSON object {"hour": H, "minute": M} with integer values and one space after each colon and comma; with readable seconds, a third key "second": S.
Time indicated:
{"hour": 2, "minute": 59, "second": 50}
